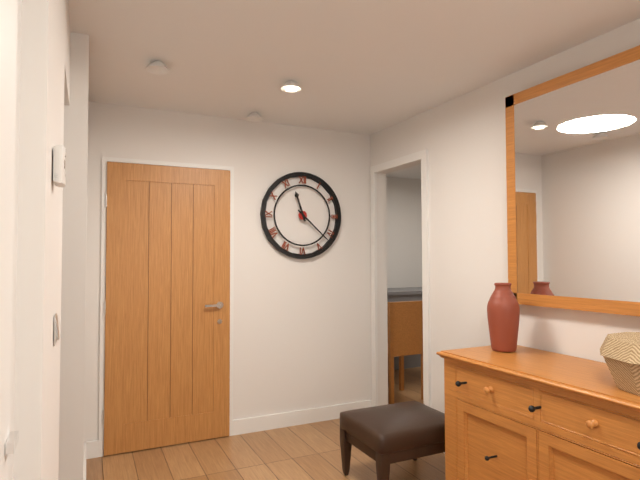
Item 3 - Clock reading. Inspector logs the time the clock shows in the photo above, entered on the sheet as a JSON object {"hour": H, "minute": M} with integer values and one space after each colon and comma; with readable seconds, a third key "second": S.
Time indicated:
{"hour": 11, "minute": 22}
